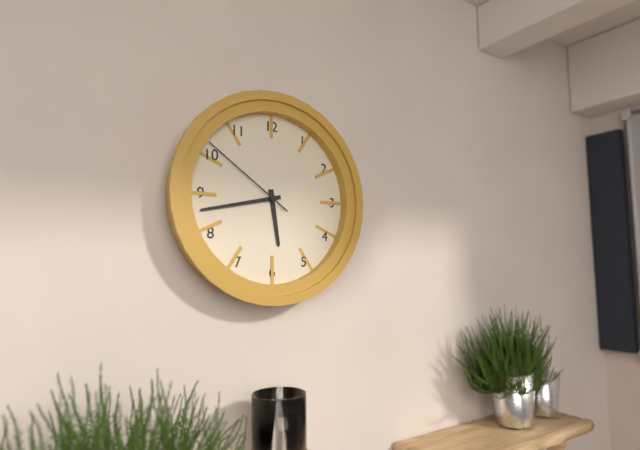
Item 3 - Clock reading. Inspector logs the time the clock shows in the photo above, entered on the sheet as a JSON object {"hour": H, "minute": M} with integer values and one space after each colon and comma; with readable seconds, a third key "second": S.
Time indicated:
{"hour": 5, "minute": 43, "second": 51}
